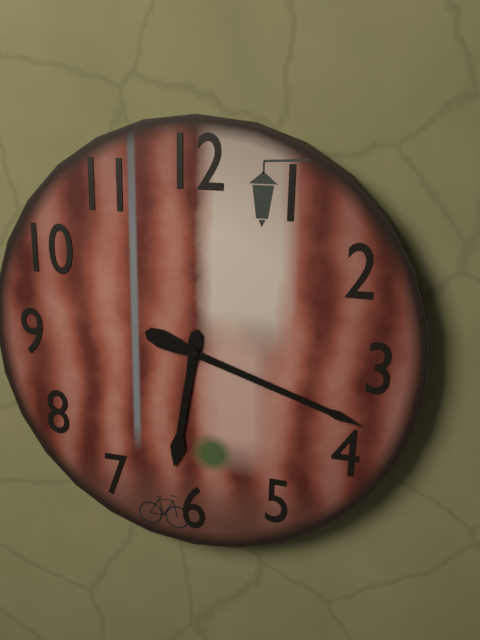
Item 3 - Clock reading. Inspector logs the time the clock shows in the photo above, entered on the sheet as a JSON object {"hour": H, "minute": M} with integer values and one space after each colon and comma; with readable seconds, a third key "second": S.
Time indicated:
{"hour": 6, "minute": 18}
